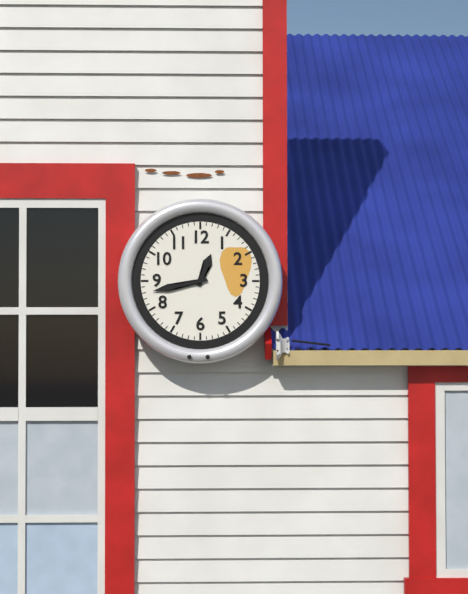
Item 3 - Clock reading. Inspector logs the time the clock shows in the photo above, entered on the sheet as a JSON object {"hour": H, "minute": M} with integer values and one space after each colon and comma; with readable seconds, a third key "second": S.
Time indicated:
{"hour": 12, "minute": 43}
